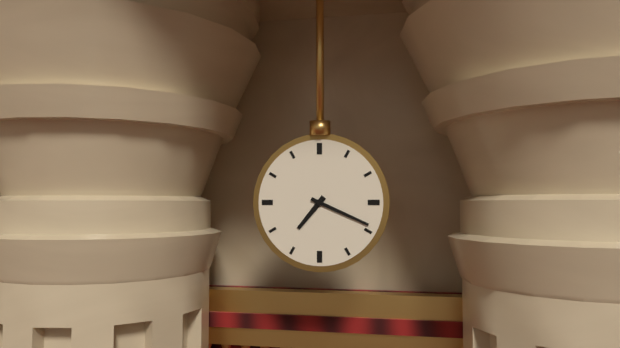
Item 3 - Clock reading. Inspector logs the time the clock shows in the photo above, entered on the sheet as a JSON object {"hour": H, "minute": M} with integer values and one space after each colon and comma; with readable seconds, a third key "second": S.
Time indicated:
{"hour": 7, "minute": 19}
